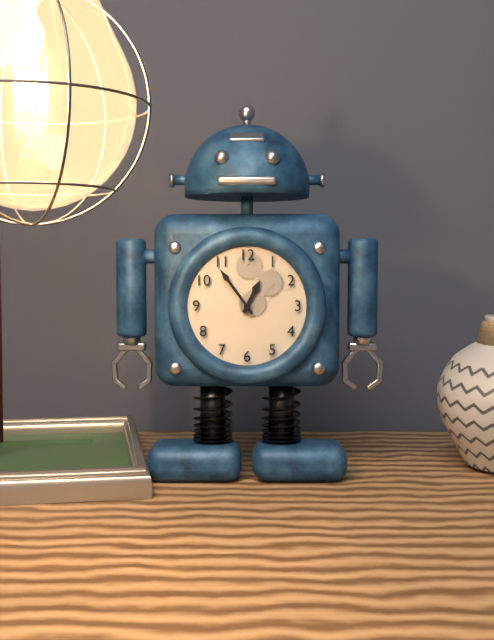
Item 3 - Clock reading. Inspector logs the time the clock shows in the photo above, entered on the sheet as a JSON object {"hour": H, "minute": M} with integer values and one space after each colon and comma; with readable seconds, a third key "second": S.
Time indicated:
{"hour": 12, "minute": 54}
